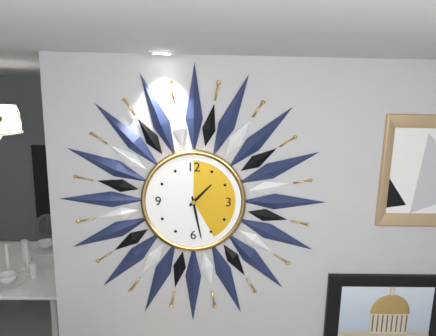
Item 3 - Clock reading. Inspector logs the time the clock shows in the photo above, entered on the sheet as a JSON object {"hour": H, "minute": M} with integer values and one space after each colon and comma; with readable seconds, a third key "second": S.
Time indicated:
{"hour": 1, "minute": 28}
